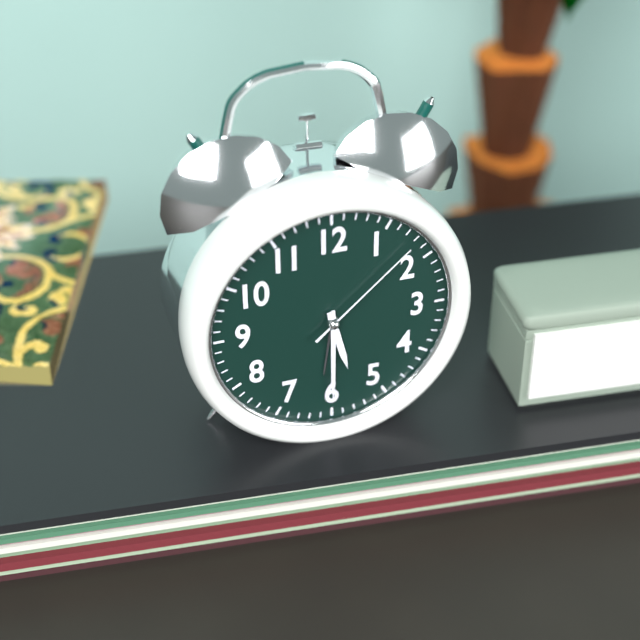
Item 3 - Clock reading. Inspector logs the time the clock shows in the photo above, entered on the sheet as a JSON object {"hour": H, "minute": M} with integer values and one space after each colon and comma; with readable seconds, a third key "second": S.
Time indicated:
{"hour": 5, "minute": 30, "second": 8}
